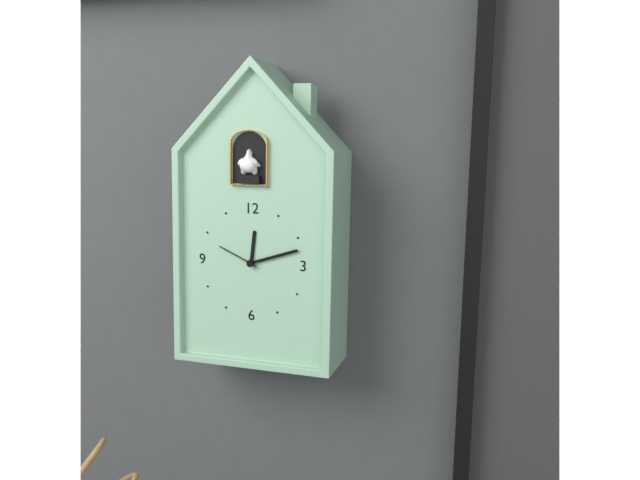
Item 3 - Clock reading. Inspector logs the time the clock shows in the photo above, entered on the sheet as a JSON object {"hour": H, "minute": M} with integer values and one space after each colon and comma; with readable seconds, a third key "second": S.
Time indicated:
{"hour": 12, "minute": 12}
